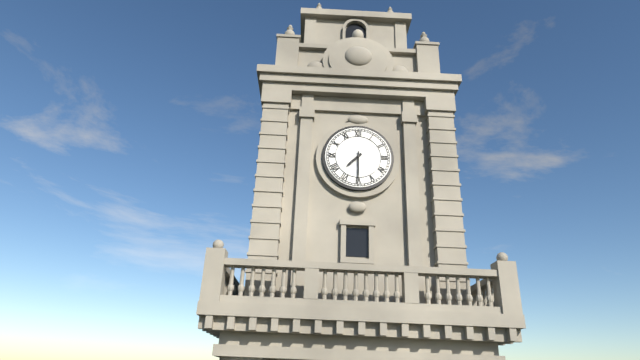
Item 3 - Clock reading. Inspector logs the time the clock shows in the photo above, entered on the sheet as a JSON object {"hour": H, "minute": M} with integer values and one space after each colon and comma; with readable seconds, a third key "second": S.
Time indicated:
{"hour": 7, "minute": 30}
